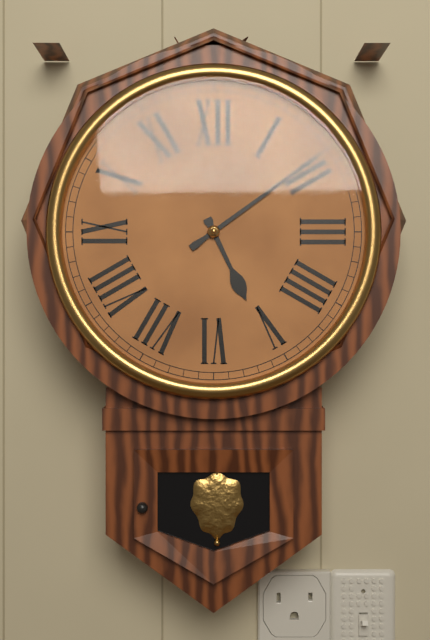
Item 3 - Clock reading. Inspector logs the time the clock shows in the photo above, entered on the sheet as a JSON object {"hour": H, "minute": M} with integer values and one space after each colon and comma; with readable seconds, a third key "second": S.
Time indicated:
{"hour": 5, "minute": 9}
